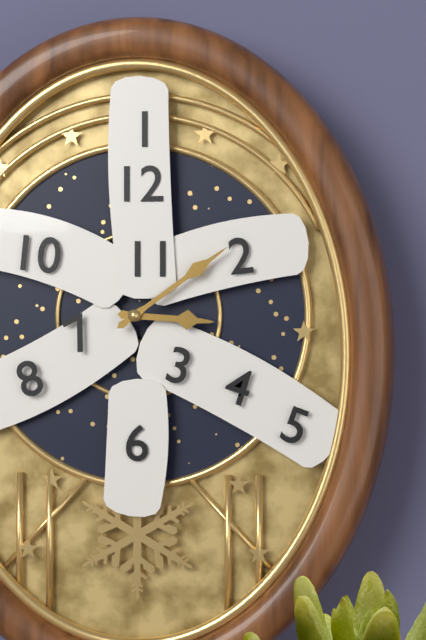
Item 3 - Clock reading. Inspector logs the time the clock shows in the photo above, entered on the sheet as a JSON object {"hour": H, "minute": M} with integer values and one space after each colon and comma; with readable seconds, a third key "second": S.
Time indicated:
{"hour": 3, "minute": 9}
